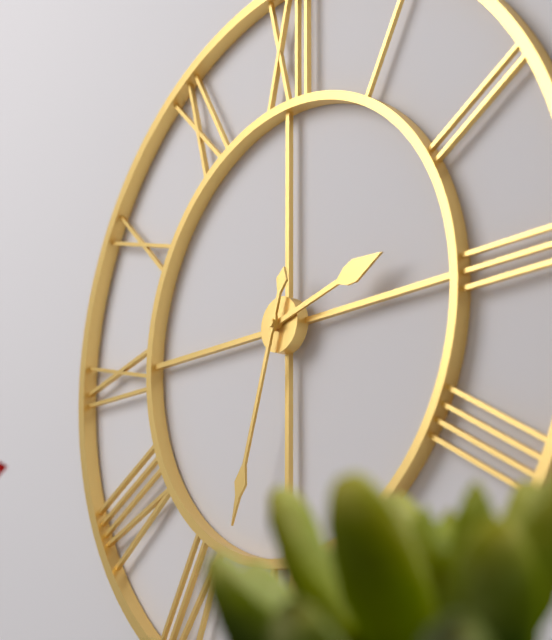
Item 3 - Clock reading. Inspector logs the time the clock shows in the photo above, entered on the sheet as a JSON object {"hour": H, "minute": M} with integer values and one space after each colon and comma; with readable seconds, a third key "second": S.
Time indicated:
{"hour": 2, "minute": 33}
